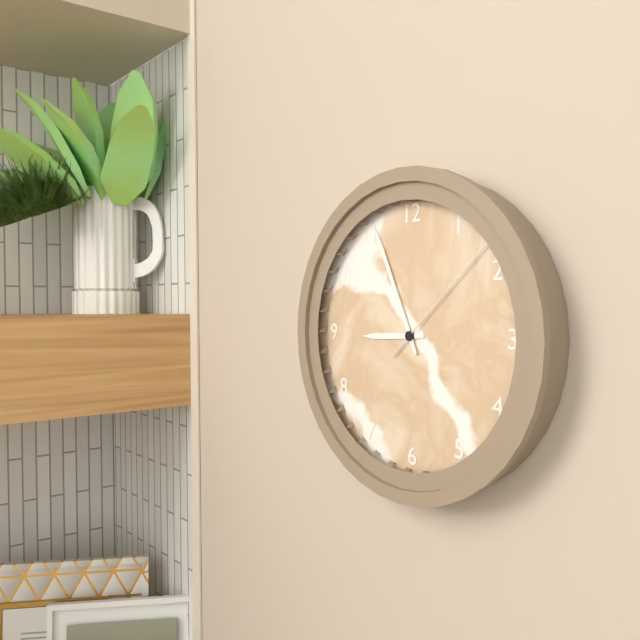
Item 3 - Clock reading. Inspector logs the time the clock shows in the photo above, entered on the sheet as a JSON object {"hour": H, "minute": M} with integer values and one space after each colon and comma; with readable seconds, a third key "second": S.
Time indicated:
{"hour": 8, "minute": 56, "second": 8}
